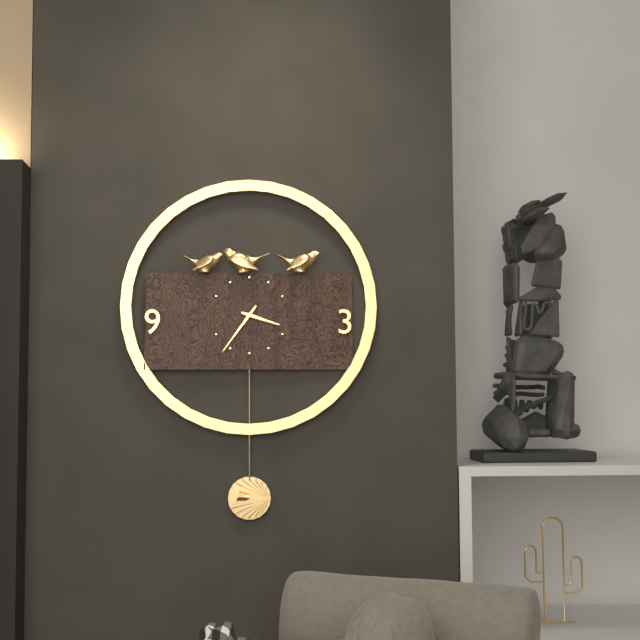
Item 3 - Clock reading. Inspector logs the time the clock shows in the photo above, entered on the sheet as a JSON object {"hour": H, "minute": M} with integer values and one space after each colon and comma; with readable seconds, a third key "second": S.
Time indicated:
{"hour": 3, "minute": 36}
